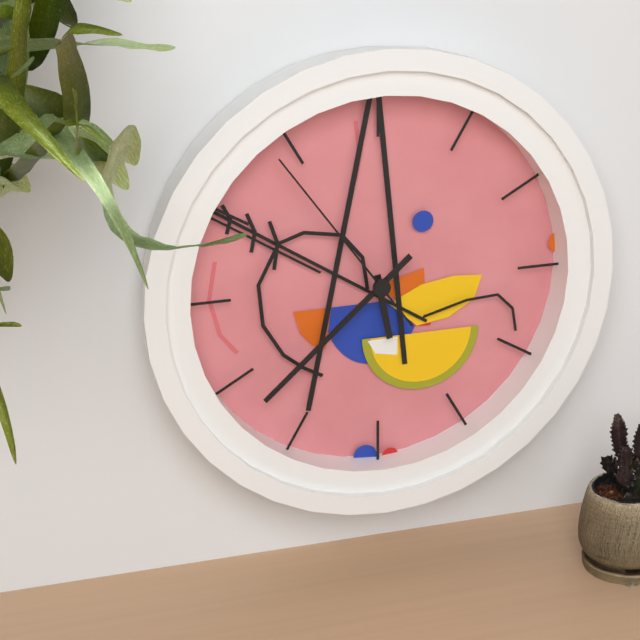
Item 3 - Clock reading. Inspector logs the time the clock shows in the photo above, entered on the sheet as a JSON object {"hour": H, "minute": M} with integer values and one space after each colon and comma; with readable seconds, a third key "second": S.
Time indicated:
{"hour": 5, "minute": 38, "second": 54}
